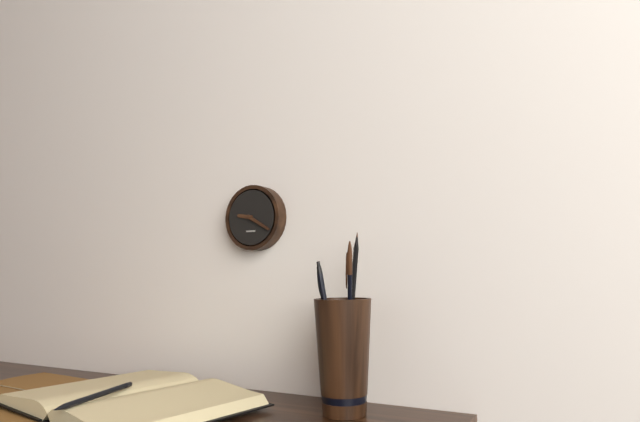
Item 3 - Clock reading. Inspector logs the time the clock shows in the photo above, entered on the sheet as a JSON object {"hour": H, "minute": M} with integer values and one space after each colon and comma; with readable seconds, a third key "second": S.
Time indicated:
{"hour": 9, "minute": 20}
